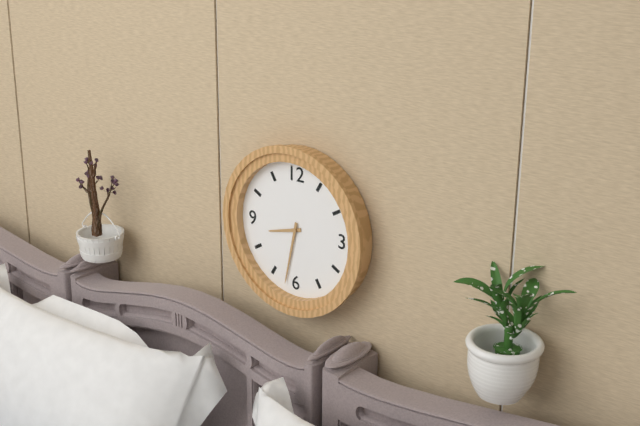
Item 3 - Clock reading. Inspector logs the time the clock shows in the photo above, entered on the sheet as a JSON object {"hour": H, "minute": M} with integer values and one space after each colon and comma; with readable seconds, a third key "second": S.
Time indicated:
{"hour": 8, "minute": 32}
